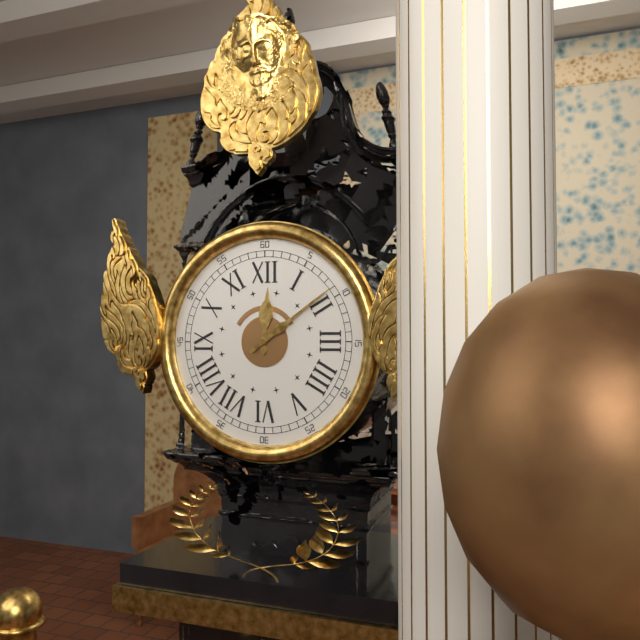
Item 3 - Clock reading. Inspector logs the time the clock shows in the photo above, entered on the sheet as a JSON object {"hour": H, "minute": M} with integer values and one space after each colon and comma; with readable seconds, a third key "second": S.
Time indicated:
{"hour": 12, "minute": 9}
